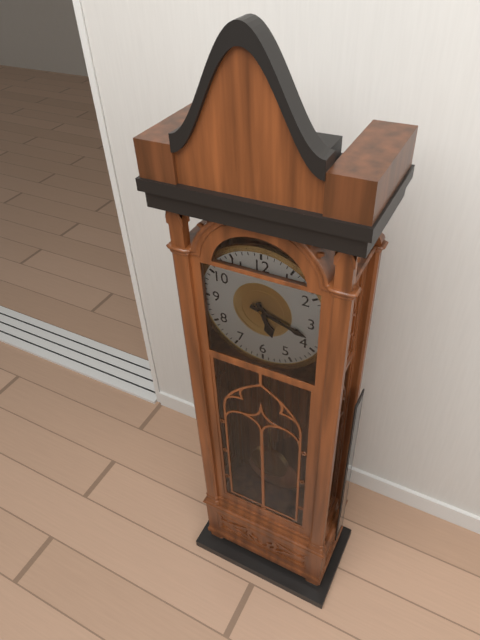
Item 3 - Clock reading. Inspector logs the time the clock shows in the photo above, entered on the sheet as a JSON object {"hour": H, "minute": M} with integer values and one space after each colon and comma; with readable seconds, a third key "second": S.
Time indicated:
{"hour": 5, "minute": 18}
